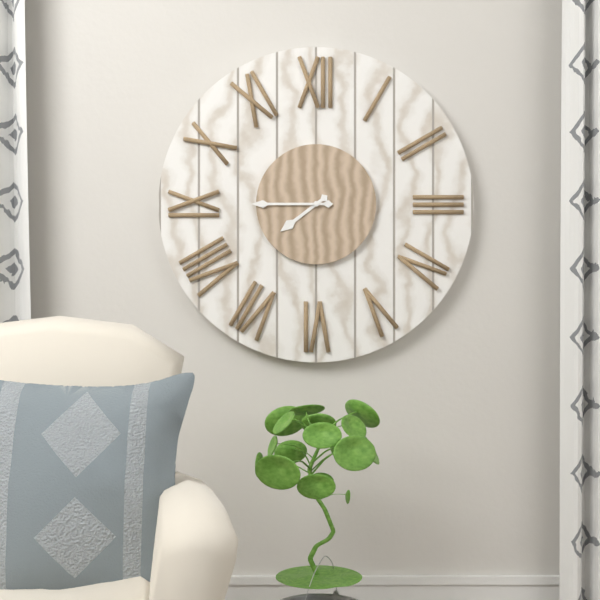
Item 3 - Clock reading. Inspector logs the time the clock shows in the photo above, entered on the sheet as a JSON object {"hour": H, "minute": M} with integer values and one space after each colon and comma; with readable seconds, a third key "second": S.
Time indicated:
{"hour": 7, "minute": 45}
